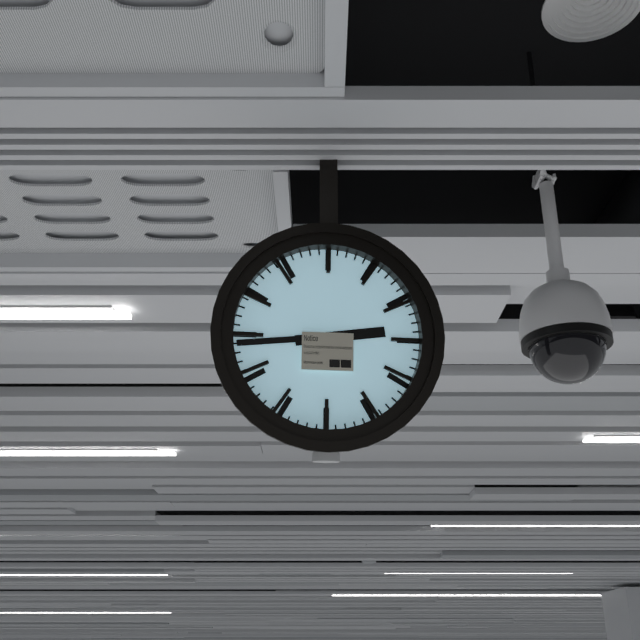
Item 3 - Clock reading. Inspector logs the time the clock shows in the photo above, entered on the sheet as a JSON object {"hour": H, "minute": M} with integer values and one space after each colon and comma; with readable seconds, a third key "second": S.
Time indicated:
{"hour": 2, "minute": 44}
